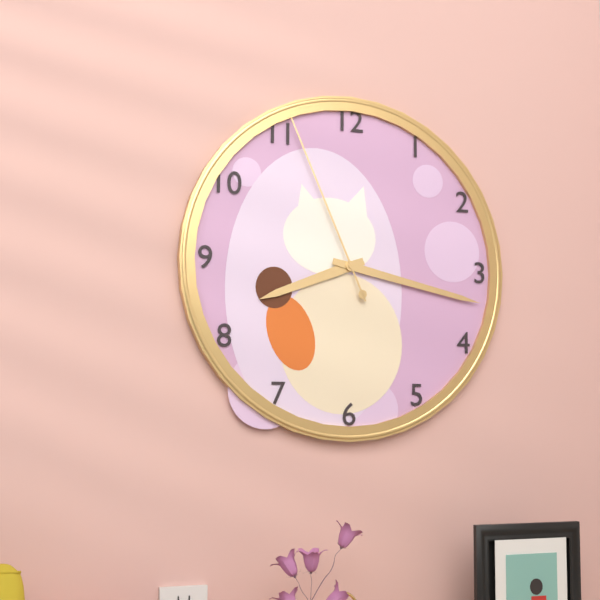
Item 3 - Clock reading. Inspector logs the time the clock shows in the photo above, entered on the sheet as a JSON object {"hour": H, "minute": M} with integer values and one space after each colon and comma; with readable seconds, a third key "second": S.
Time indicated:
{"hour": 8, "minute": 17, "second": 56}
